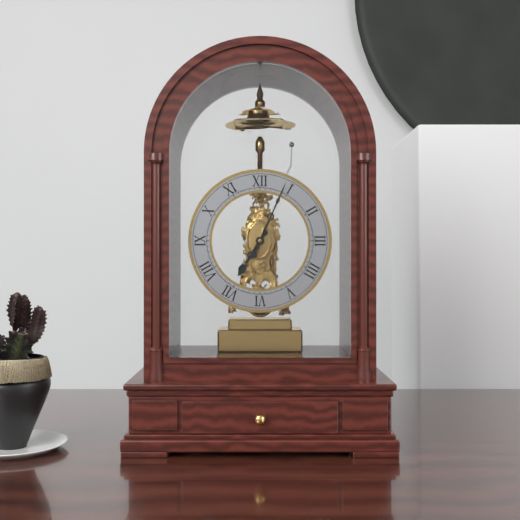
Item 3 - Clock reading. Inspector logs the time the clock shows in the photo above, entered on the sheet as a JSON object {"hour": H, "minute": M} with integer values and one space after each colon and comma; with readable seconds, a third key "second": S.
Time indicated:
{"hour": 7, "minute": 4}
